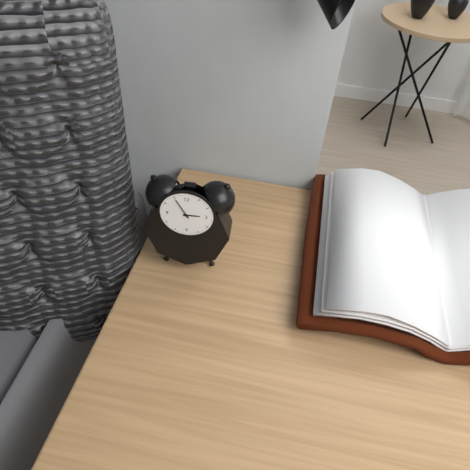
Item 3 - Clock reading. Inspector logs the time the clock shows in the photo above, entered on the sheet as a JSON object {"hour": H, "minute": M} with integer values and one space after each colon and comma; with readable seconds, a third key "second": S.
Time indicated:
{"hour": 2, "minute": 55}
